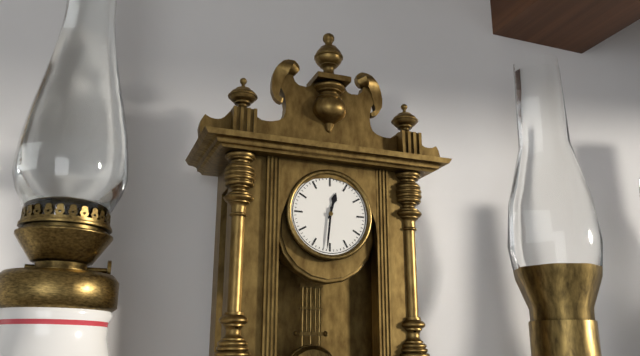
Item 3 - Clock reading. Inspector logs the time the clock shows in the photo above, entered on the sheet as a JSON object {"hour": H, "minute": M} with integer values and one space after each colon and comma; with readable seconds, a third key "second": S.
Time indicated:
{"hour": 12, "minute": 31}
